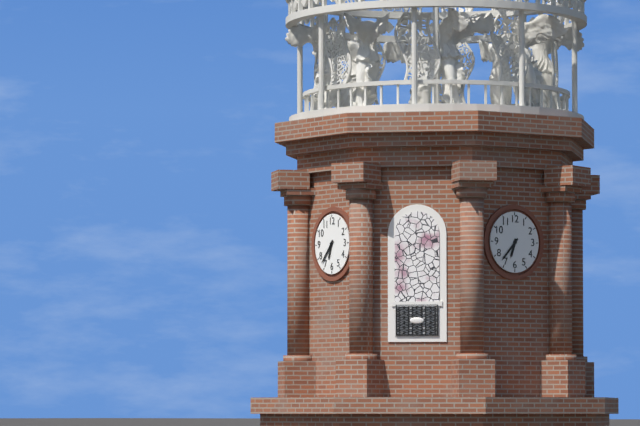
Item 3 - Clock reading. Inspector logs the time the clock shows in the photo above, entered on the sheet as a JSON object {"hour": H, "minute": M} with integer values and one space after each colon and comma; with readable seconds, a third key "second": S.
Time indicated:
{"hour": 6, "minute": 37}
